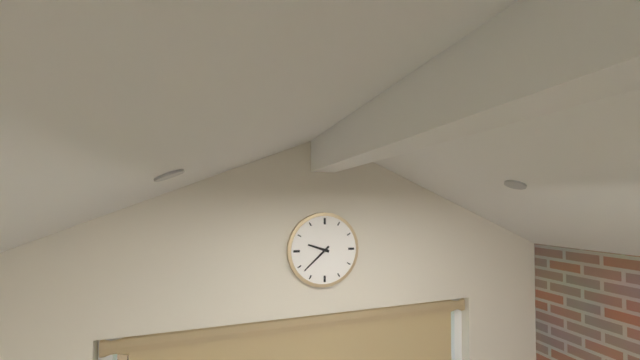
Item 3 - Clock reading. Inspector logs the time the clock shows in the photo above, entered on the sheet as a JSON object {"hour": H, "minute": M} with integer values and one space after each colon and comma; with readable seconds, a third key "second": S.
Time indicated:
{"hour": 9, "minute": 38}
